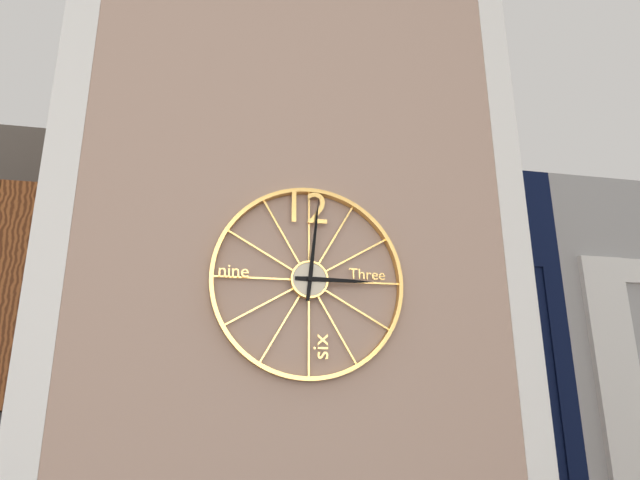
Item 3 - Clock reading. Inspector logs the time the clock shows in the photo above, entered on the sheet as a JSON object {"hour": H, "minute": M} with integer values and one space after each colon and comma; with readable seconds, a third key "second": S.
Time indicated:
{"hour": 3, "minute": 1}
